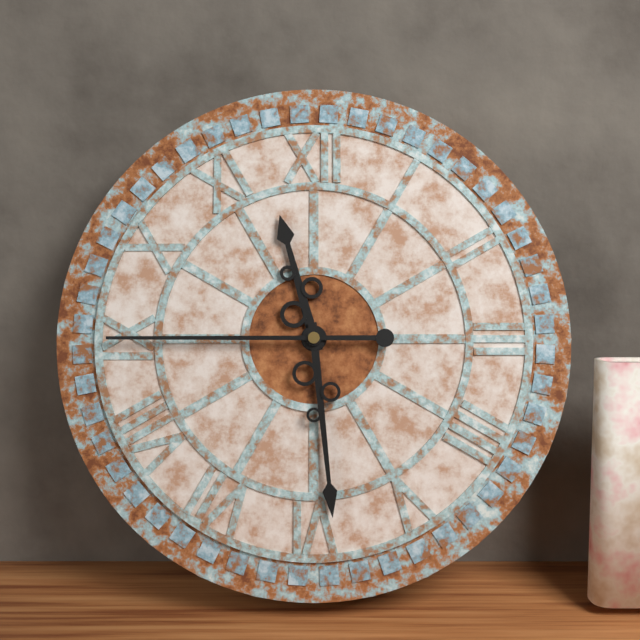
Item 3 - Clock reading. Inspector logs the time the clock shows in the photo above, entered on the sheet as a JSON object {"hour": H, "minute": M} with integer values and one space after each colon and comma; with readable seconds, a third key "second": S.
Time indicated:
{"hour": 11, "minute": 29, "second": 45}
